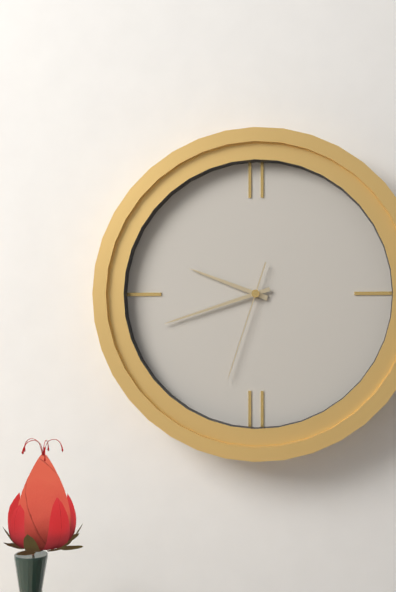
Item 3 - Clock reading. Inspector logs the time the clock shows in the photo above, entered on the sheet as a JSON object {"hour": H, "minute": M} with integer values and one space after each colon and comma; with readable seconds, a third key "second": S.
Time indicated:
{"hour": 9, "minute": 42, "second": 33}
